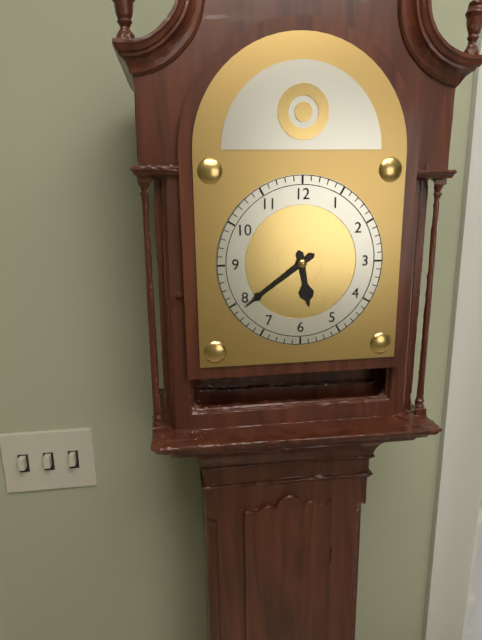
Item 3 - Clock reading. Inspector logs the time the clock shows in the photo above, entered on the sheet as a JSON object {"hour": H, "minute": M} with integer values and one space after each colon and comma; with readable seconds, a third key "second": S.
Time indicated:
{"hour": 5, "minute": 39}
